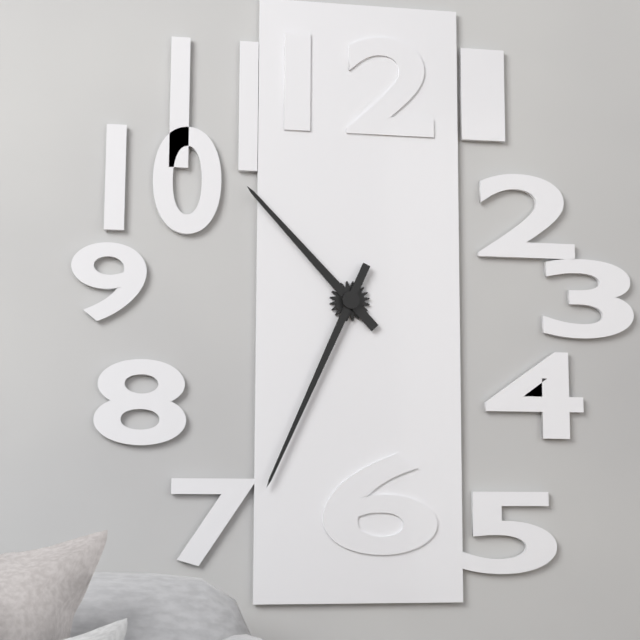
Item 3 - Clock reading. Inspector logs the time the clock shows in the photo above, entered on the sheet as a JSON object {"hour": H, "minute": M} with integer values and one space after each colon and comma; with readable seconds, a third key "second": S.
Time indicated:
{"hour": 10, "minute": 34}
